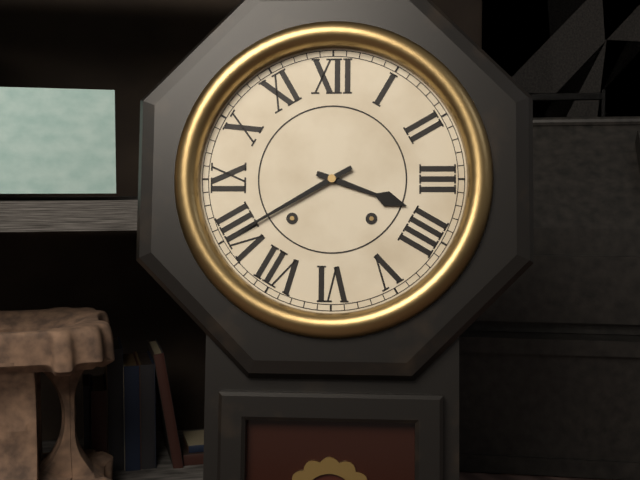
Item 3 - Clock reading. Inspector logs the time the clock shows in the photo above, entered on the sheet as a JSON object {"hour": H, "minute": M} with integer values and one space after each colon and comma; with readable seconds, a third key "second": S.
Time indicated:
{"hour": 3, "minute": 40}
